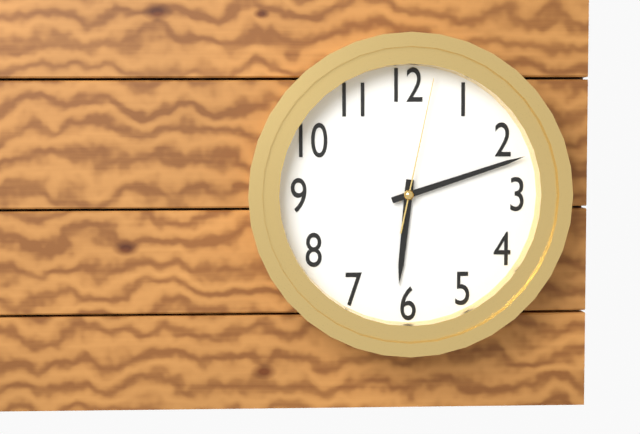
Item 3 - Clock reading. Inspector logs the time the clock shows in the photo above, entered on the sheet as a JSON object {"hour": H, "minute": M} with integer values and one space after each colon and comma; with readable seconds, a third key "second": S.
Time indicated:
{"hour": 6, "minute": 12, "second": 2}
